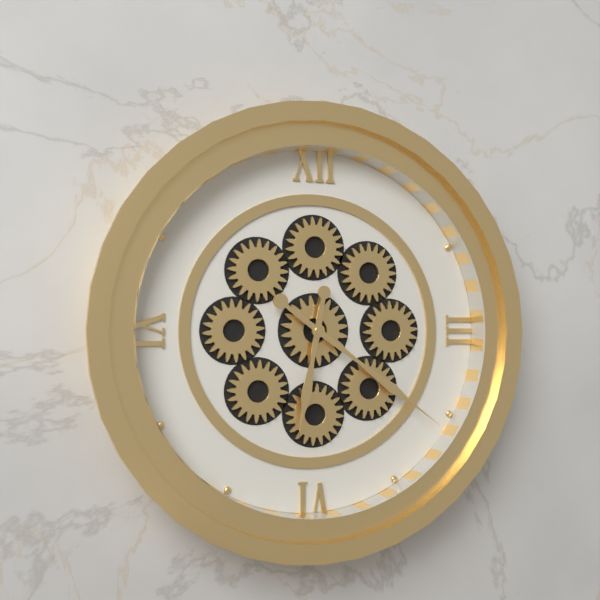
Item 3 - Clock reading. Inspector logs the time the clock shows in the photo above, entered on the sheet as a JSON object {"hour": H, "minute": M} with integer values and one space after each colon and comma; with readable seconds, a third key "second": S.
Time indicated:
{"hour": 6, "minute": 21}
